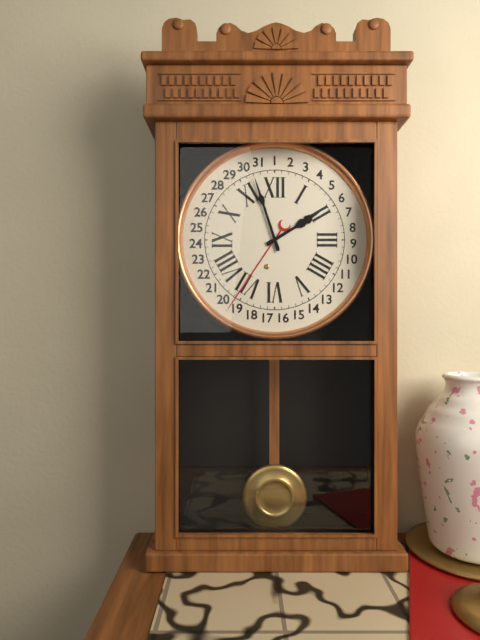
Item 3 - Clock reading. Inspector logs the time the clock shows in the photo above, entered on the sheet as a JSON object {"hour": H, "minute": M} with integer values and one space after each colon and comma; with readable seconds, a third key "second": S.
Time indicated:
{"hour": 1, "minute": 57}
